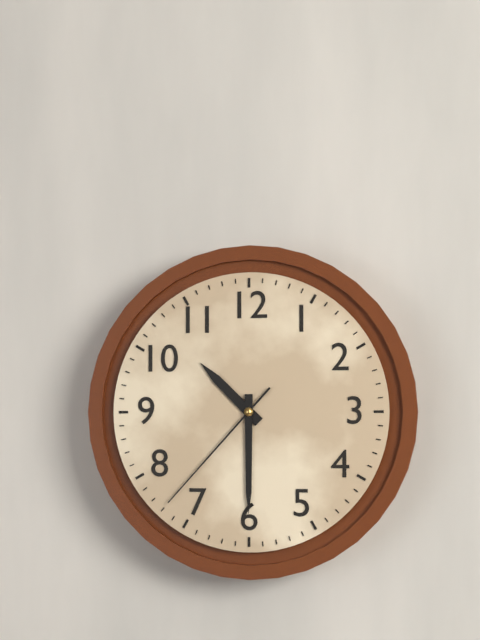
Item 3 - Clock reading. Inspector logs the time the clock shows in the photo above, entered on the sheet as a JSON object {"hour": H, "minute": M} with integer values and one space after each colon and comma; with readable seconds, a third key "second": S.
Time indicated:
{"hour": 10, "minute": 30, "second": 37}
